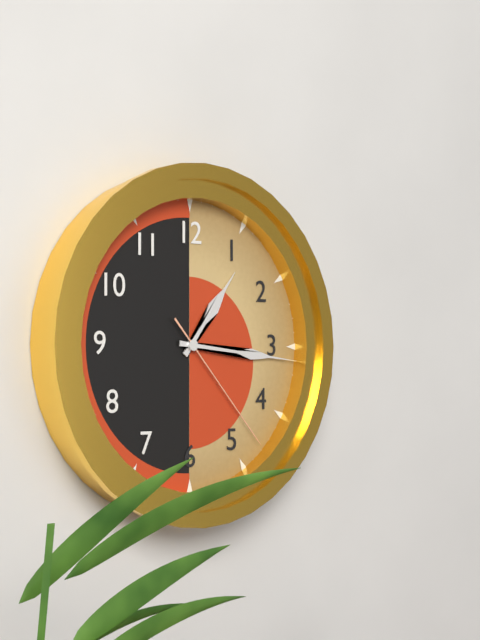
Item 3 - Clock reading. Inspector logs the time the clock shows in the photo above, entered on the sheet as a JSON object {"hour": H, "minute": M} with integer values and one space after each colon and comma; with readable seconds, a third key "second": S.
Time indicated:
{"hour": 1, "minute": 16, "second": 23}
